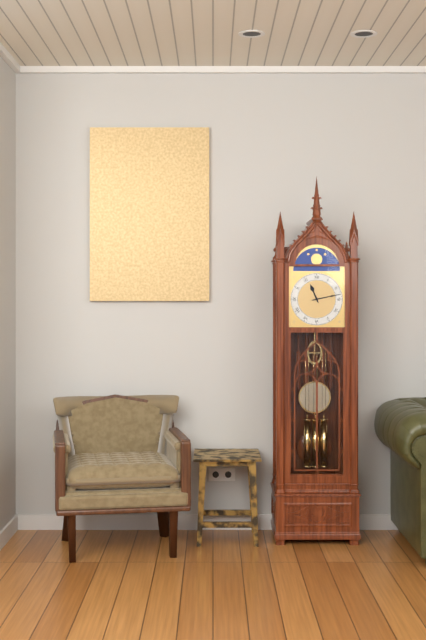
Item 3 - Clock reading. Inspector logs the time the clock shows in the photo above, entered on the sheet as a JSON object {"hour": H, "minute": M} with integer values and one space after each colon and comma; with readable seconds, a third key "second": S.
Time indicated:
{"hour": 11, "minute": 13}
